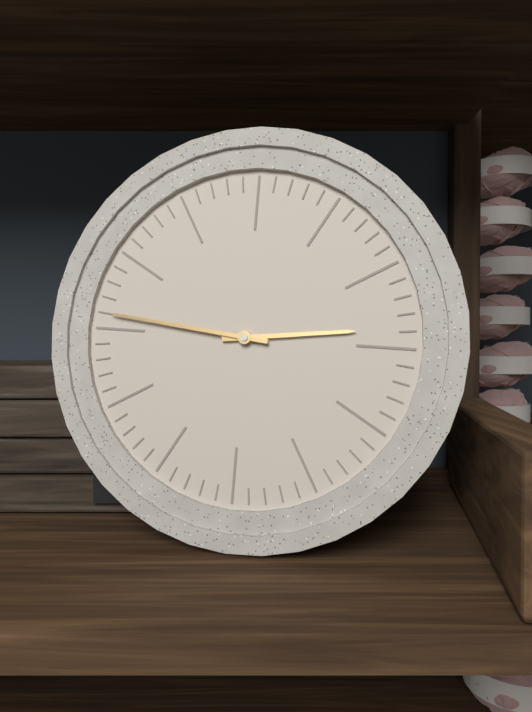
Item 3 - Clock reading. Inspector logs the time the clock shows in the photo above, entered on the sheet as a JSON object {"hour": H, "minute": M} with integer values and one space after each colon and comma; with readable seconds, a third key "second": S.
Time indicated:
{"hour": 2, "minute": 46}
